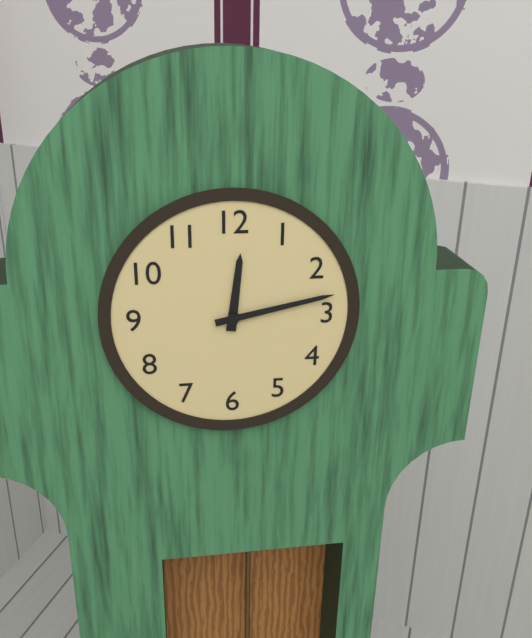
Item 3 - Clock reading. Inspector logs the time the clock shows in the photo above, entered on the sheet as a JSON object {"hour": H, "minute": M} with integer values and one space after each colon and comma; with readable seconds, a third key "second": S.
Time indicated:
{"hour": 12, "minute": 13}
